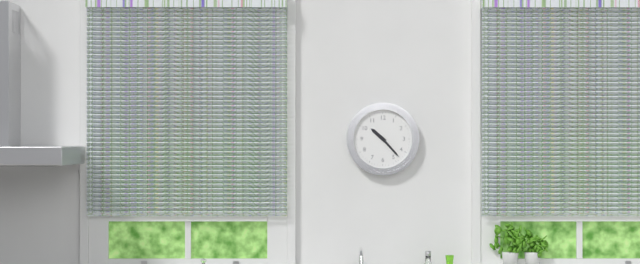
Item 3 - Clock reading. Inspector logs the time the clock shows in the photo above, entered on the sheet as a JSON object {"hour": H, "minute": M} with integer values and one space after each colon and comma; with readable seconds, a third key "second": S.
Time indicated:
{"hour": 10, "minute": 23}
